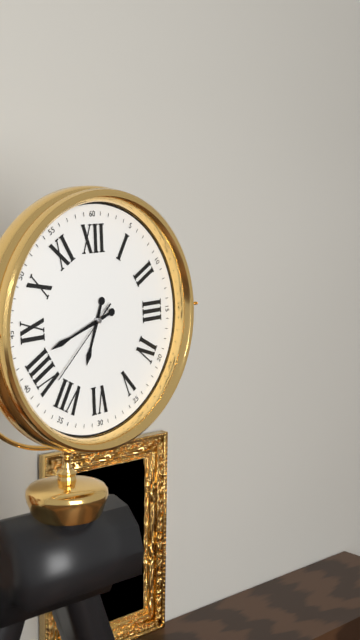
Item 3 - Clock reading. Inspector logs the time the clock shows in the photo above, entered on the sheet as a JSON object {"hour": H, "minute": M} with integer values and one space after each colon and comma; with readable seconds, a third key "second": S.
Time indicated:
{"hour": 6, "minute": 42, "second": 38}
